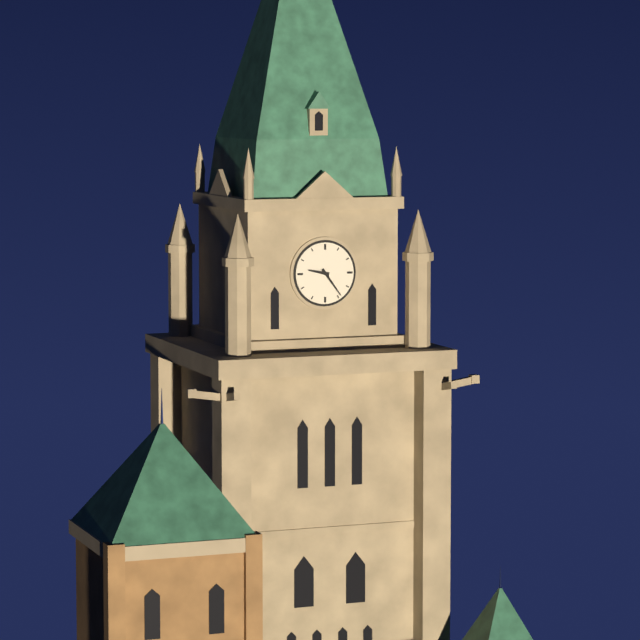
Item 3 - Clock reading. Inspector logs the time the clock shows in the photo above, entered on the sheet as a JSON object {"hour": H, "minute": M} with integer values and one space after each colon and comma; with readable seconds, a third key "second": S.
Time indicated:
{"hour": 9, "minute": 24}
